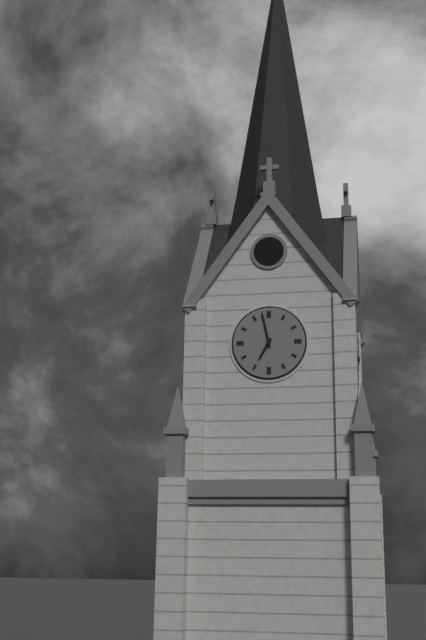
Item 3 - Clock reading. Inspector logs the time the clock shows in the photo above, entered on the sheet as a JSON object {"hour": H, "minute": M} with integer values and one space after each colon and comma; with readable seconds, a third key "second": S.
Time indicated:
{"hour": 6, "minute": 58}
